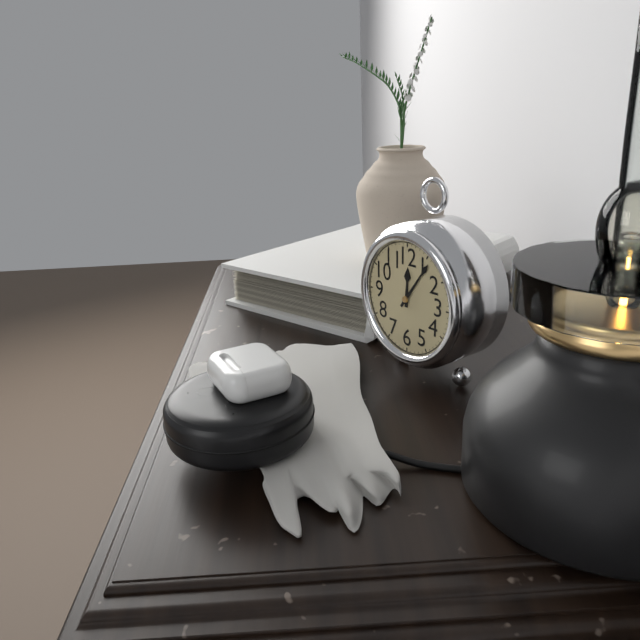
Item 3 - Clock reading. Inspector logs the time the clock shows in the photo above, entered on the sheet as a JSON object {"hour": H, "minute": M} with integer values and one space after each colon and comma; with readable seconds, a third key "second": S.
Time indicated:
{"hour": 12, "minute": 6}
